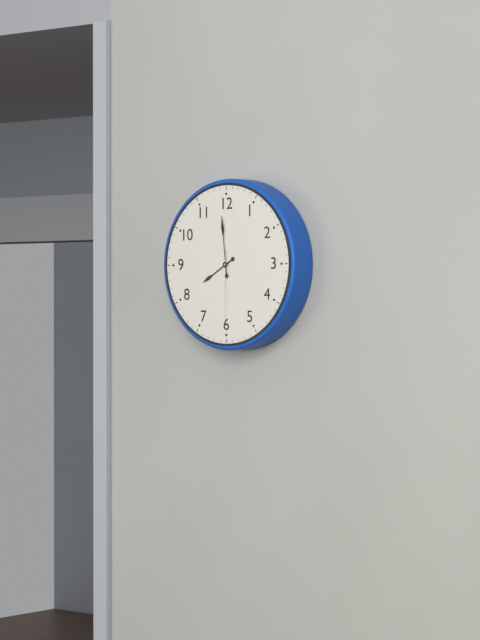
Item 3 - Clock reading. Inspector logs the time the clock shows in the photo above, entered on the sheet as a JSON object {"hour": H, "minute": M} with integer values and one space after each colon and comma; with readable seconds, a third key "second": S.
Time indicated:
{"hour": 7, "minute": 59, "second": 30}
